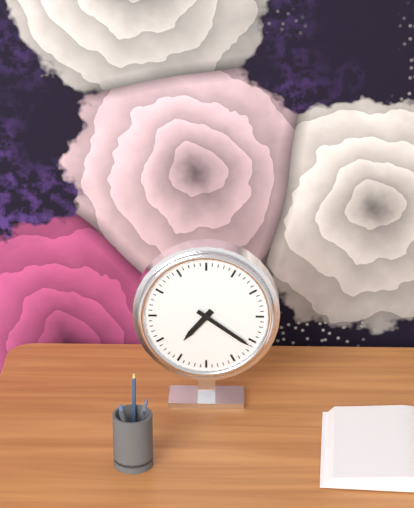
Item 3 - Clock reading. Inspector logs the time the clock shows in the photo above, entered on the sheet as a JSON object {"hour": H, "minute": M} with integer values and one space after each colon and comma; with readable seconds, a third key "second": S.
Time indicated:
{"hour": 7, "minute": 21}
